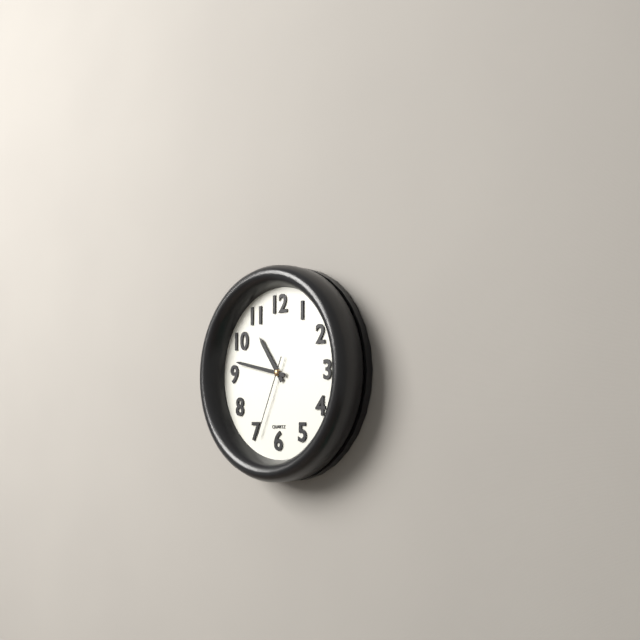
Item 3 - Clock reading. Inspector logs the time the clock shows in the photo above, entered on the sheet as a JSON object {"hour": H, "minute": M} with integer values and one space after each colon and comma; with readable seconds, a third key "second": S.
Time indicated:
{"hour": 10, "minute": 47, "second": 34}
